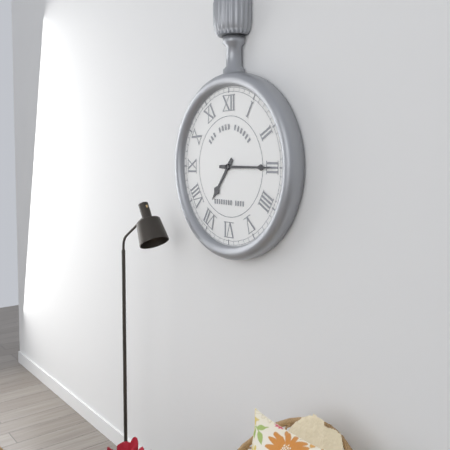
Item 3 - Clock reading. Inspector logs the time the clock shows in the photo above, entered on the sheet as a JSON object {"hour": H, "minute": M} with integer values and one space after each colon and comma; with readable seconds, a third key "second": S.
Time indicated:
{"hour": 7, "minute": 15}
